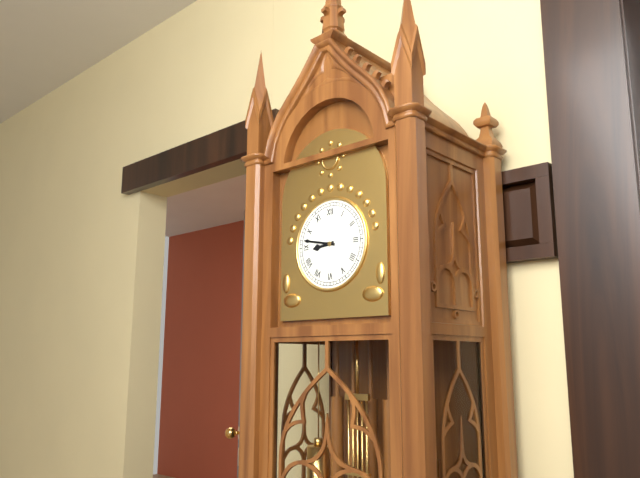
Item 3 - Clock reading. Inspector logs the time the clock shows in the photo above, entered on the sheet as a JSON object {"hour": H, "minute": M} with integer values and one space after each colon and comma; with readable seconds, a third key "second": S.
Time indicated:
{"hour": 8, "minute": 47}
